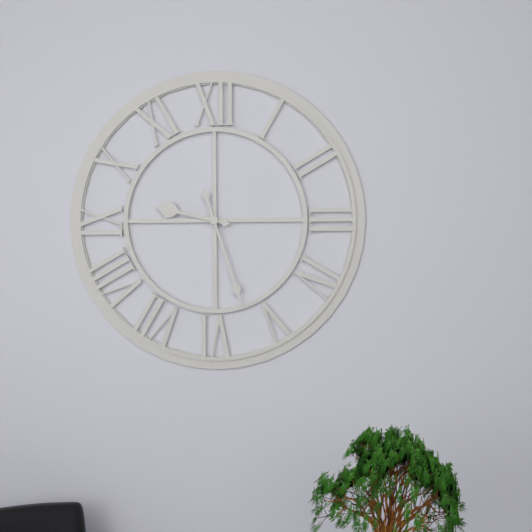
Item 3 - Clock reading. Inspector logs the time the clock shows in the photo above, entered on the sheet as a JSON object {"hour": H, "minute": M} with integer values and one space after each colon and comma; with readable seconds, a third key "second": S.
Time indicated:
{"hour": 9, "minute": 27}
